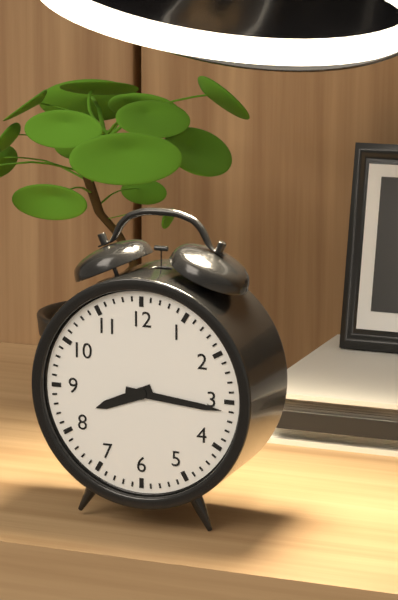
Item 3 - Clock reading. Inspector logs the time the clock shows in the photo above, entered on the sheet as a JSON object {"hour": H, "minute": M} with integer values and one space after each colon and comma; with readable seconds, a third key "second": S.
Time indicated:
{"hour": 8, "minute": 16}
